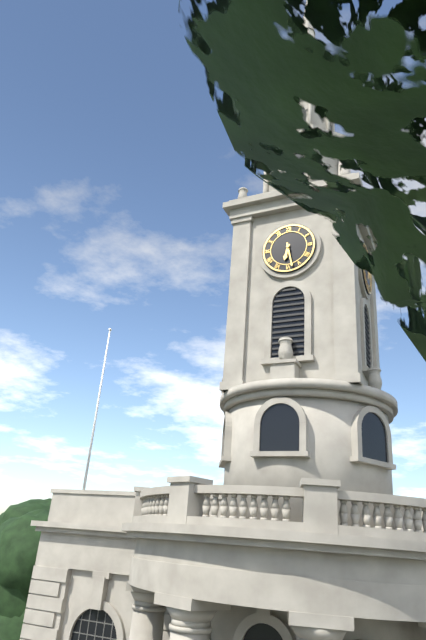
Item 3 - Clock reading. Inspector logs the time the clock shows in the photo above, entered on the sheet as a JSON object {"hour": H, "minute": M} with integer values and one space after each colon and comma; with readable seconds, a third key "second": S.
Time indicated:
{"hour": 6, "minute": 28}
